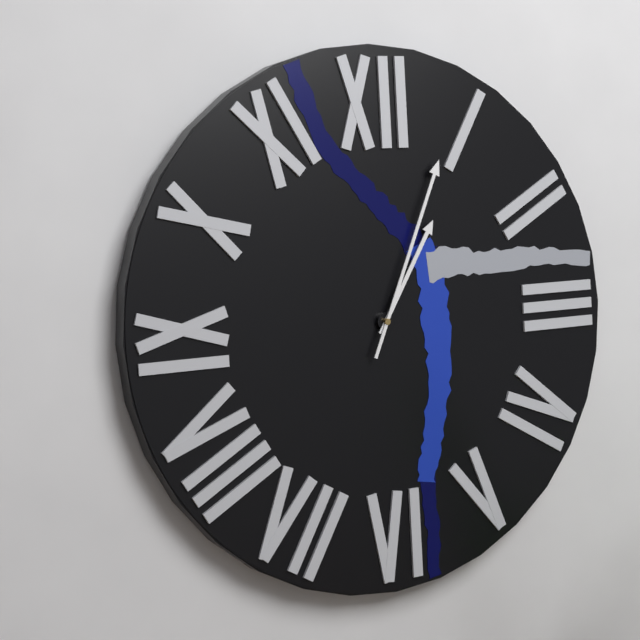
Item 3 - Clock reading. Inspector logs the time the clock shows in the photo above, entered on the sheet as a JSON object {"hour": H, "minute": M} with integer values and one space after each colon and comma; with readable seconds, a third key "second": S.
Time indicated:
{"hour": 1, "minute": 4}
